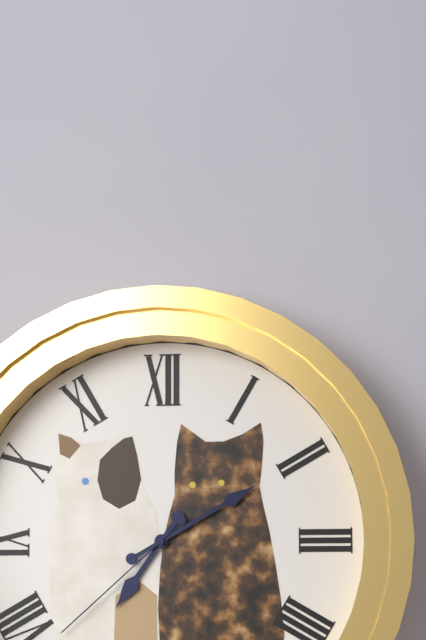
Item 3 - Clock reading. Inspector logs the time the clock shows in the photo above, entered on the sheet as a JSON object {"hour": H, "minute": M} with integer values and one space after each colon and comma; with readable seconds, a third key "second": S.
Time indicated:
{"hour": 7, "minute": 10, "second": 38}
